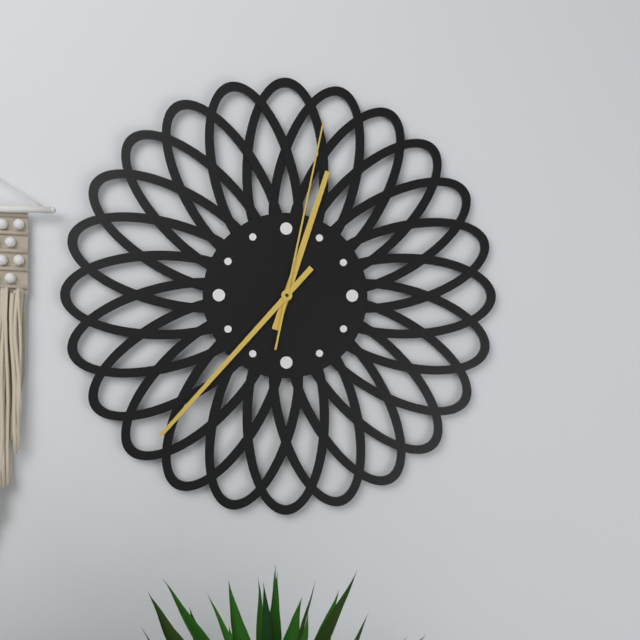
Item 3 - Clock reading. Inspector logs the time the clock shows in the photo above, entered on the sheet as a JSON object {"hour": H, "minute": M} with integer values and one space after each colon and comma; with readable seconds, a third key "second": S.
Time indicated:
{"hour": 12, "minute": 37, "second": 2}
